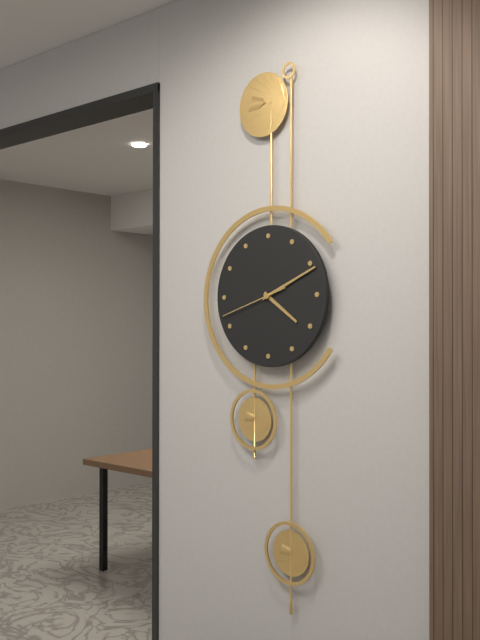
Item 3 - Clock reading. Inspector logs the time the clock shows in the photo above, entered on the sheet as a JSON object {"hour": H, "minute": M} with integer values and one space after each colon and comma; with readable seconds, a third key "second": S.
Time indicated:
{"hour": 4, "minute": 11, "second": 42}
